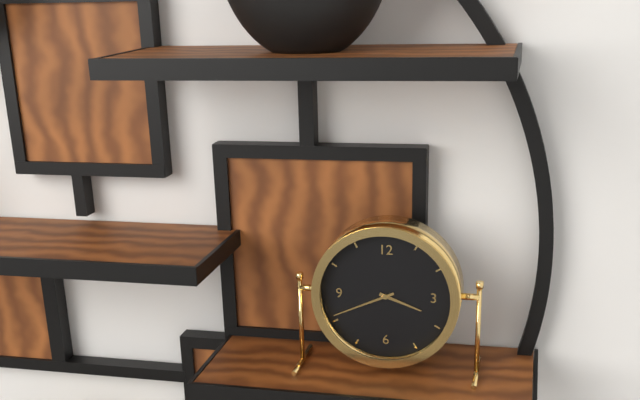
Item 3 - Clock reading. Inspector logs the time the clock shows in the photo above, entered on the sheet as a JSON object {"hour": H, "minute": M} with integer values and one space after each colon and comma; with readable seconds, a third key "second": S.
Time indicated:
{"hour": 3, "minute": 41}
